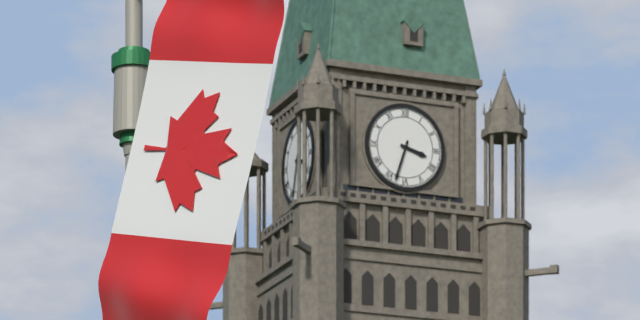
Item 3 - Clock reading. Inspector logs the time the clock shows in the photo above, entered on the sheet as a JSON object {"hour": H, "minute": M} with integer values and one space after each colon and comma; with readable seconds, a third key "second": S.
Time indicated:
{"hour": 3, "minute": 33}
